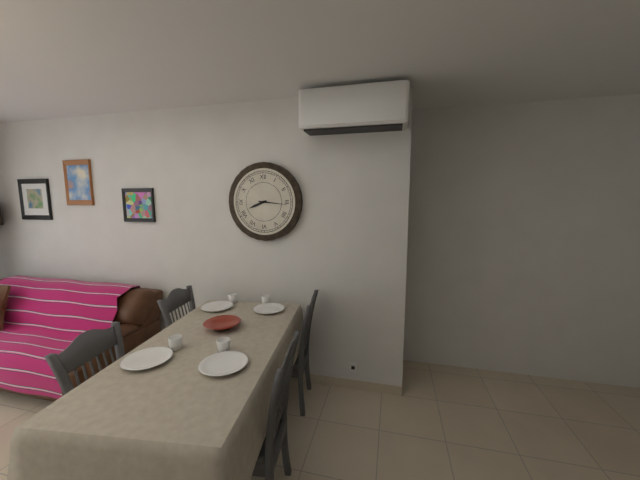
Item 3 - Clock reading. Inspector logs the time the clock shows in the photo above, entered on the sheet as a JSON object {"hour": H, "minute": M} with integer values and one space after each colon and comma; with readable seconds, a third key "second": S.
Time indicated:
{"hour": 8, "minute": 16}
